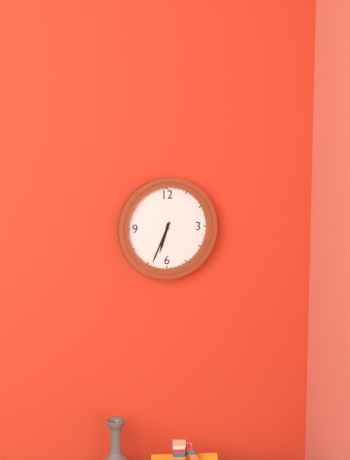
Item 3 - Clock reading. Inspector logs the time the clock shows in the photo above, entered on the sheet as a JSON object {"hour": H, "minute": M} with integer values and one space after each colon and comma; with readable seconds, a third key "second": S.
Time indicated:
{"hour": 6, "minute": 34}
